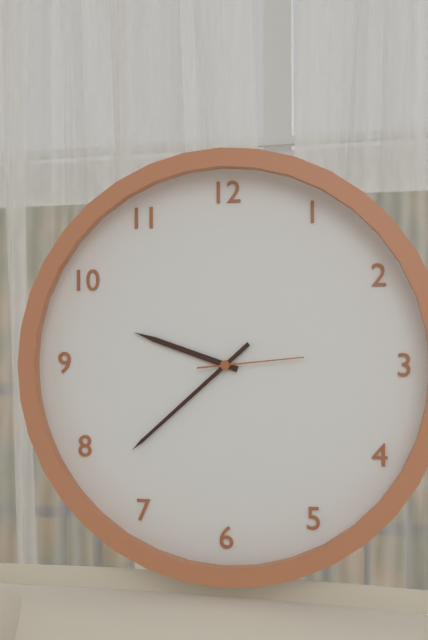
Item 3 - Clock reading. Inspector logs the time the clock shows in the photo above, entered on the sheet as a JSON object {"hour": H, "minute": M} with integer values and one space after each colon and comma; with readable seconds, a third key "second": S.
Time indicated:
{"hour": 9, "minute": 38, "second": 14}
